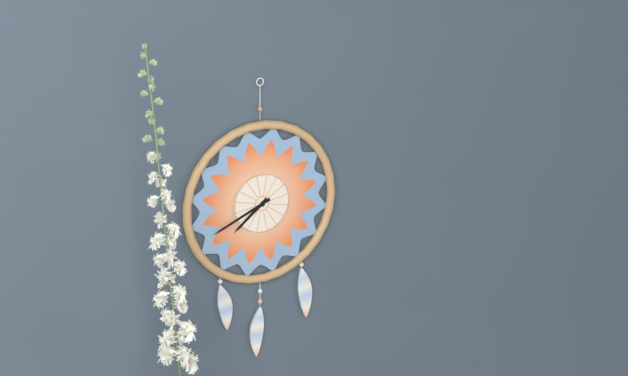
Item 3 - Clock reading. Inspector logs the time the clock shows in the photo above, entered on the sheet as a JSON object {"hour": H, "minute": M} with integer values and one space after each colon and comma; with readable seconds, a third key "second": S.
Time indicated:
{"hour": 7, "minute": 41}
